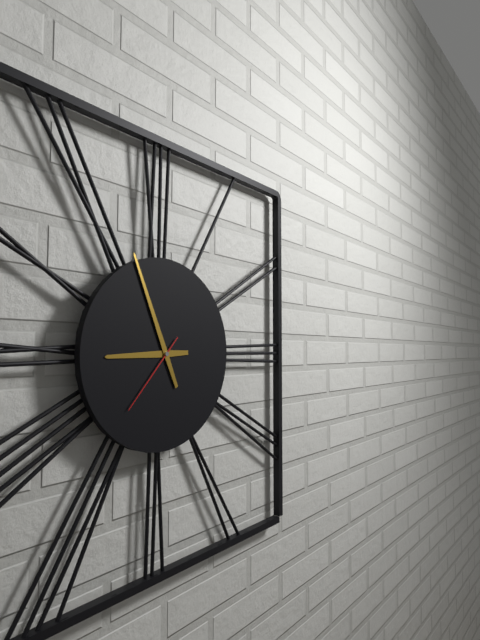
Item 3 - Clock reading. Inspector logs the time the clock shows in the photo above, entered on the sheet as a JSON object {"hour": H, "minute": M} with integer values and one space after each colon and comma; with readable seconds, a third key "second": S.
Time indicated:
{"hour": 8, "minute": 56, "second": 37}
